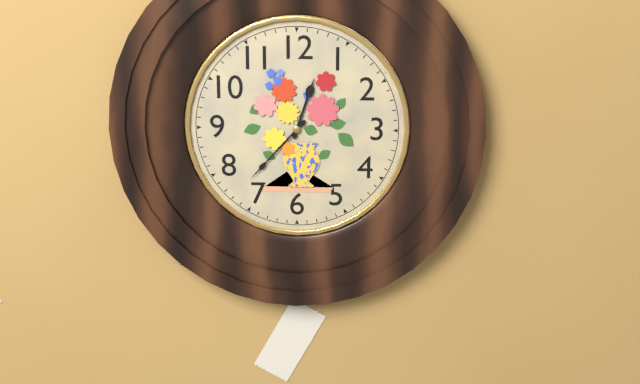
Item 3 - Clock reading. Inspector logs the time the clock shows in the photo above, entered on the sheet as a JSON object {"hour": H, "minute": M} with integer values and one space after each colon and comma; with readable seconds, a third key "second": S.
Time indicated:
{"hour": 12, "minute": 37}
